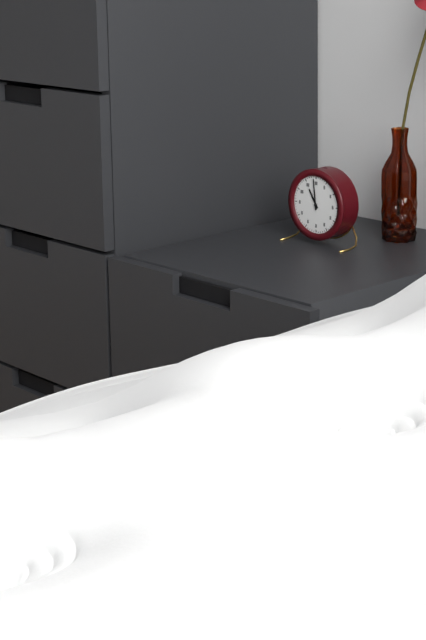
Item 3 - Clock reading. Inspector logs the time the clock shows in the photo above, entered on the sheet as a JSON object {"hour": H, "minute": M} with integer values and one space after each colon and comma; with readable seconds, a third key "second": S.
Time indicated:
{"hour": 10, "minute": 59}
